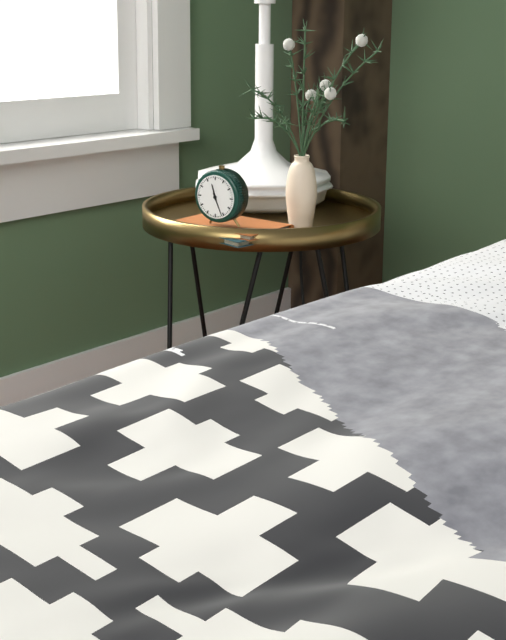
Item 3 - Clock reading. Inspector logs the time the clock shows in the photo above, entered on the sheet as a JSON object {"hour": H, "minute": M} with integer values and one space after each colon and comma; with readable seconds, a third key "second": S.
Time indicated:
{"hour": 11, "minute": 26}
